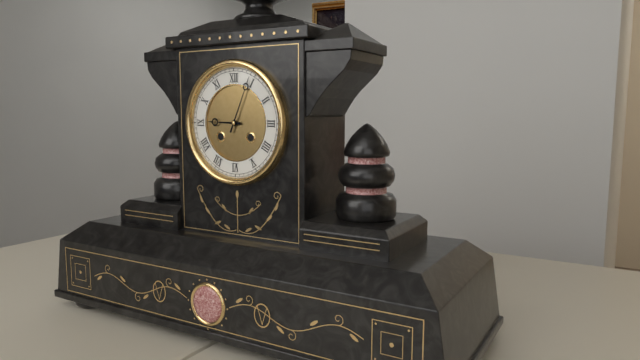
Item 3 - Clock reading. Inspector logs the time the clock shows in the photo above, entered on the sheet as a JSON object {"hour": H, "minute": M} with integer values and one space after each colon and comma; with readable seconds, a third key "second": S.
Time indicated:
{"hour": 9, "minute": 4}
